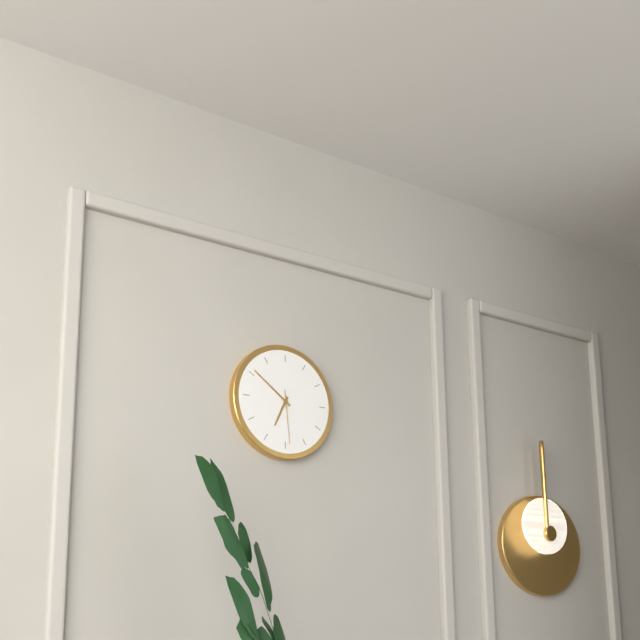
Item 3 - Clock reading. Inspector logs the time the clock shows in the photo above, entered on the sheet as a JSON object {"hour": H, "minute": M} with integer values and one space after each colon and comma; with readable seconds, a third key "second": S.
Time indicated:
{"hour": 6, "minute": 51, "second": 29}
